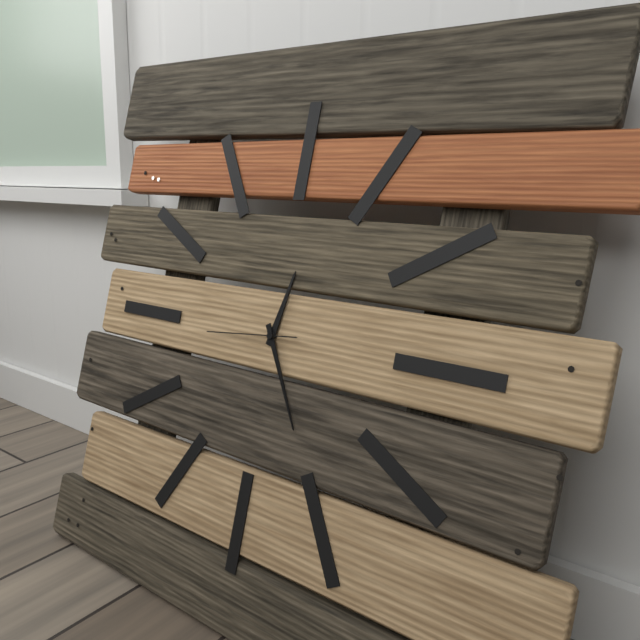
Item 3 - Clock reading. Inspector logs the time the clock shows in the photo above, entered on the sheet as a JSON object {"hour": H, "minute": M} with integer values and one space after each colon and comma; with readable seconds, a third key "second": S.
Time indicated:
{"hour": 12, "minute": 25, "second": 44}
